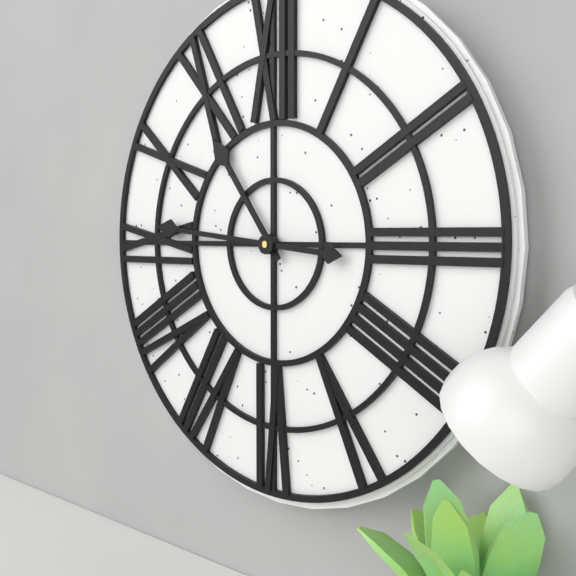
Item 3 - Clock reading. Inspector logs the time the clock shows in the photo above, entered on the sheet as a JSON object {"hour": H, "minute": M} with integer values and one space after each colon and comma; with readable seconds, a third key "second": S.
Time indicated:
{"hour": 10, "minute": 46}
